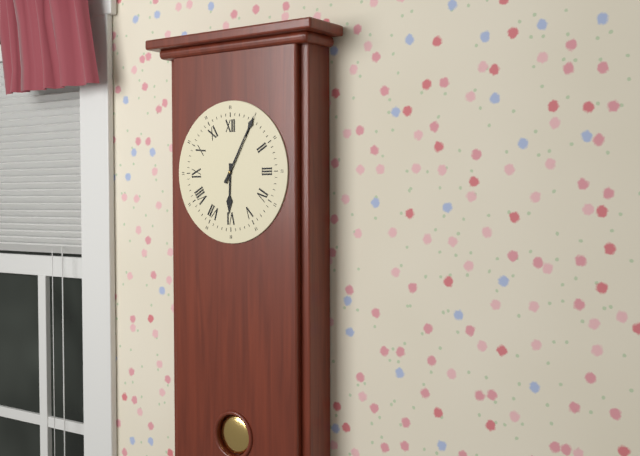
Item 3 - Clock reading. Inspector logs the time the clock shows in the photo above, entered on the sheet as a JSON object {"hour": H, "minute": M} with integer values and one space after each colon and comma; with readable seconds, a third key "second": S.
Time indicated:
{"hour": 6, "minute": 5}
